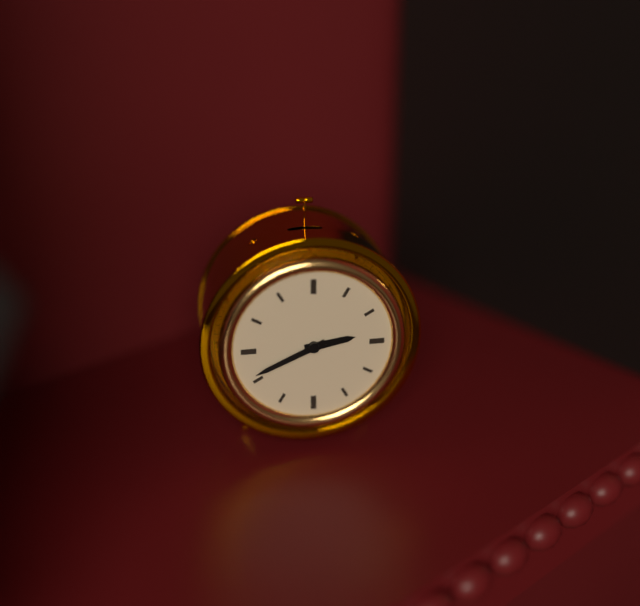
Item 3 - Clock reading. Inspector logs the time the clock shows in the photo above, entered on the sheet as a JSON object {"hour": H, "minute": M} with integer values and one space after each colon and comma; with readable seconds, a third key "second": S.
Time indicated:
{"hour": 2, "minute": 41}
